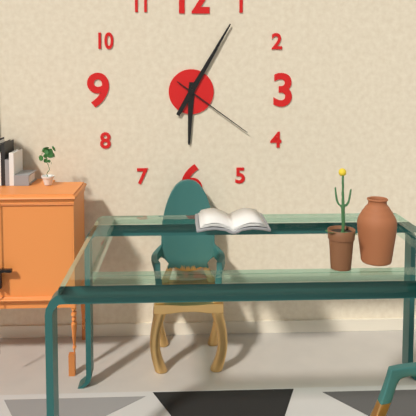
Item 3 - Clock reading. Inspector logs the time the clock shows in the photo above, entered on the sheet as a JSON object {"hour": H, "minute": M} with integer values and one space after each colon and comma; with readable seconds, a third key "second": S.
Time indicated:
{"hour": 6, "minute": 5, "second": 21}
